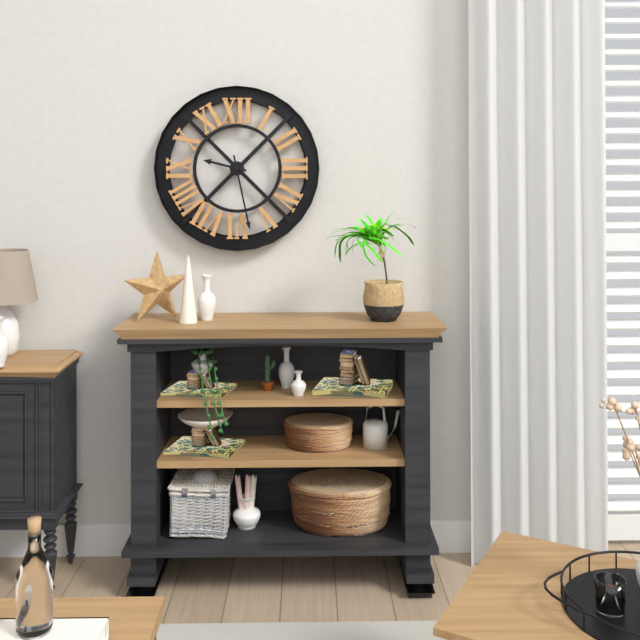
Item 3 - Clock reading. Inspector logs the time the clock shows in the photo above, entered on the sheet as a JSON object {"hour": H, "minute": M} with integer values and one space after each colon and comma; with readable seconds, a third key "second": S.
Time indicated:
{"hour": 9, "minute": 28}
